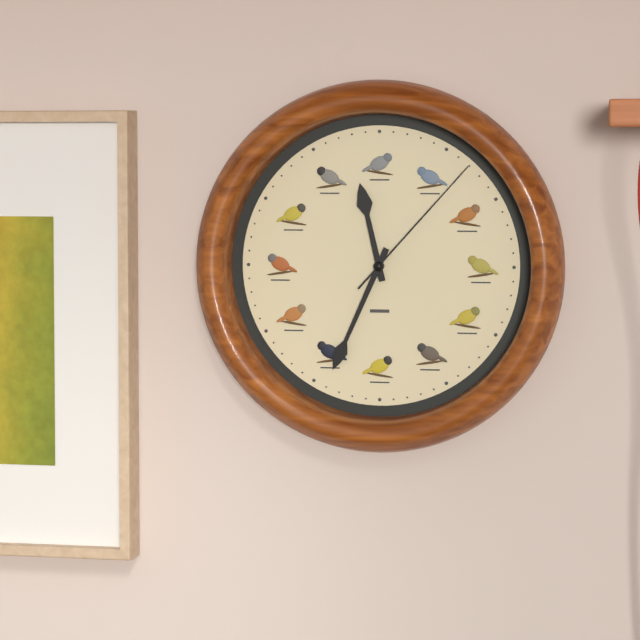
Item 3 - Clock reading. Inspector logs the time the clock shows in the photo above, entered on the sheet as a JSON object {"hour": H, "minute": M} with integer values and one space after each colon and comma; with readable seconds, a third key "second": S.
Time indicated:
{"hour": 11, "minute": 34, "second": 7}
